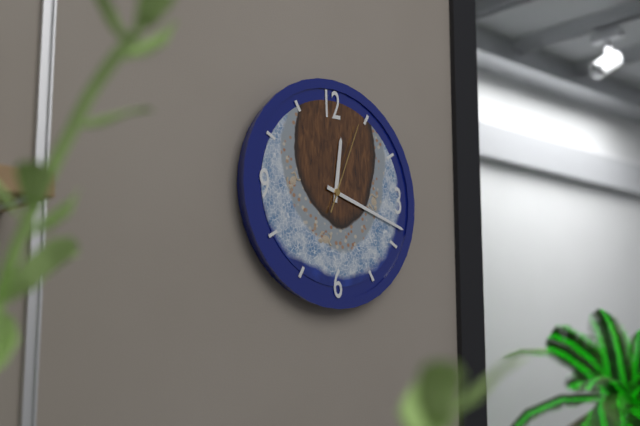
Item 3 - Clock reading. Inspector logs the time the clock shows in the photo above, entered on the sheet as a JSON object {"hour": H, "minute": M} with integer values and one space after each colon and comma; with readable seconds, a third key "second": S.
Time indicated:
{"hour": 12, "minute": 18, "second": 4}
